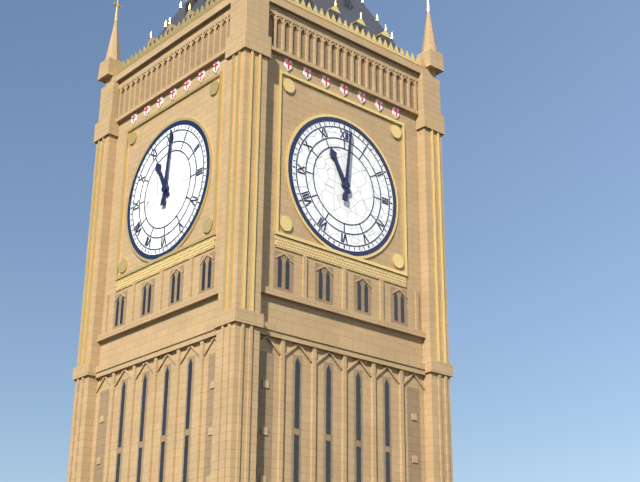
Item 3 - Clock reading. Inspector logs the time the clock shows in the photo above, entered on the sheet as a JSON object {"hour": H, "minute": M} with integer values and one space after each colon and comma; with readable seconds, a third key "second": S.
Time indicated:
{"hour": 11, "minute": 1}
